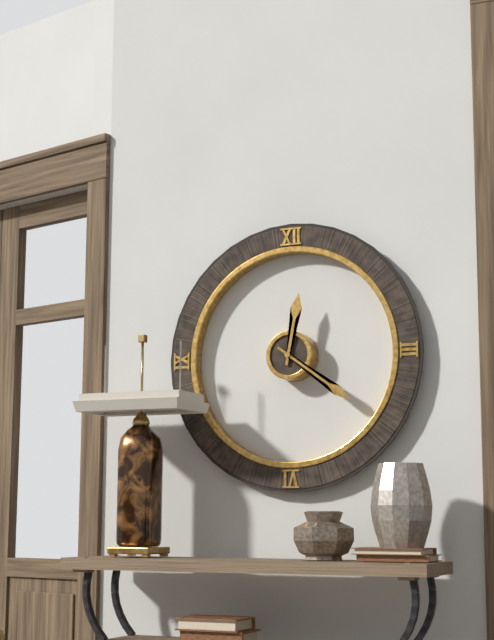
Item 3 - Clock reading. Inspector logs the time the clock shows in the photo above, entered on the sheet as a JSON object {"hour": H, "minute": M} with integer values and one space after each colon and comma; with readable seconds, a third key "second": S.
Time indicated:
{"hour": 12, "minute": 21}
